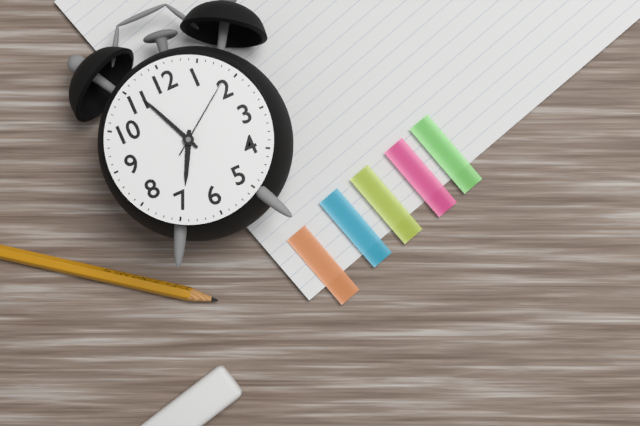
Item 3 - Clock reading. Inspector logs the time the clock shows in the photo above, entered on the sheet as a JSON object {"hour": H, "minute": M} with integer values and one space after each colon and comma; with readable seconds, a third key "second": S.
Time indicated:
{"hour": 6, "minute": 56, "second": 9}
